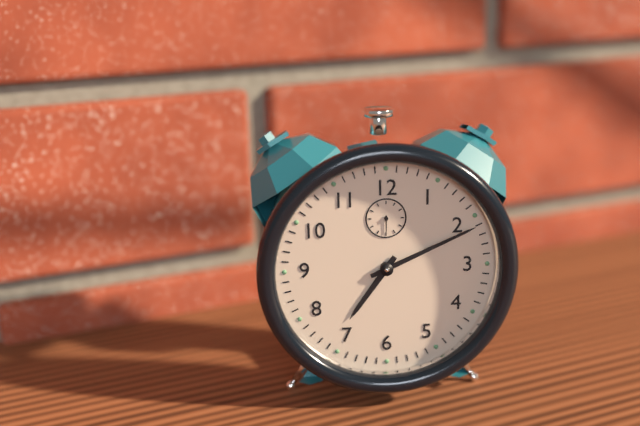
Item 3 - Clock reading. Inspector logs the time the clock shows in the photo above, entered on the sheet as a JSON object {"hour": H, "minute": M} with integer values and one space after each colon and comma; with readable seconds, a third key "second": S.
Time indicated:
{"hour": 7, "minute": 11}
